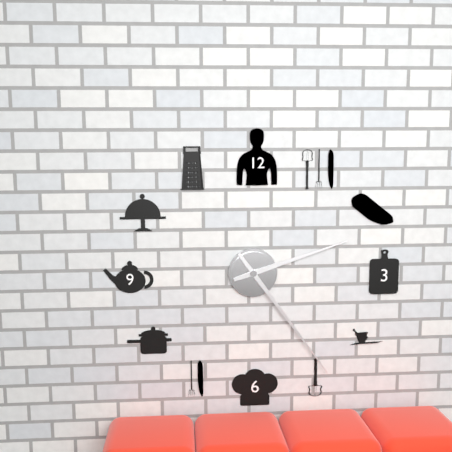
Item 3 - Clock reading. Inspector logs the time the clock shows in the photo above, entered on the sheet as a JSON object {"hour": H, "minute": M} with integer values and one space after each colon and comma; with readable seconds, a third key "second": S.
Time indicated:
{"hour": 2, "minute": 24}
